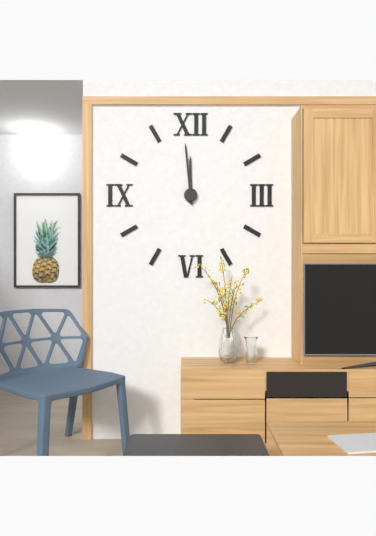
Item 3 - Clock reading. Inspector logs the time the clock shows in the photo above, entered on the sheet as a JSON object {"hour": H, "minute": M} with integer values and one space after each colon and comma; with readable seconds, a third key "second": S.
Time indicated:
{"hour": 11, "minute": 59}
